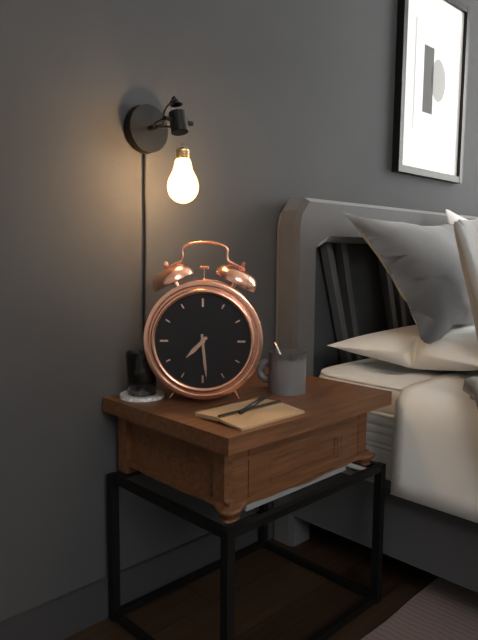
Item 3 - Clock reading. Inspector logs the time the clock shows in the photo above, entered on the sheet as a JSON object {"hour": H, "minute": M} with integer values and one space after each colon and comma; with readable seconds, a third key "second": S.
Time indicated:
{"hour": 7, "minute": 29}
